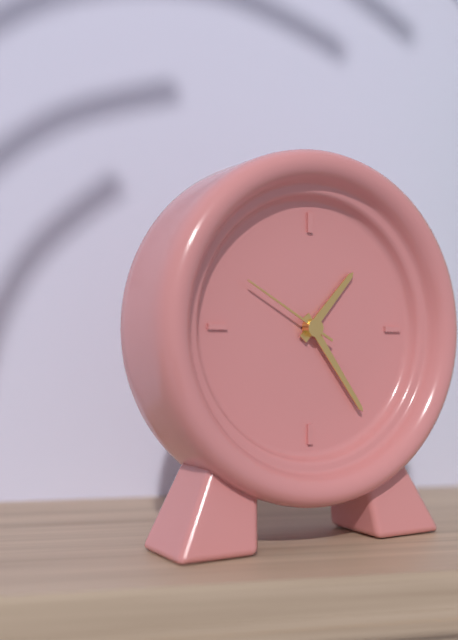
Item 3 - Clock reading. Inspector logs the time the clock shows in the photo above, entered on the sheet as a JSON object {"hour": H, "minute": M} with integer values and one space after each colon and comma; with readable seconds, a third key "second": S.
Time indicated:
{"hour": 1, "minute": 24, "second": 50}
